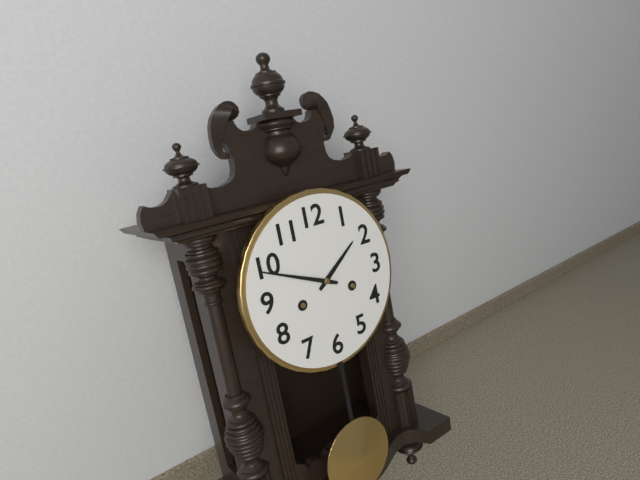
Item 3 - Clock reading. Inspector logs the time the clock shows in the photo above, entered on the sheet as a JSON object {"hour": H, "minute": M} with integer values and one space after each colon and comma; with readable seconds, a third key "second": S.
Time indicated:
{"hour": 1, "minute": 49}
